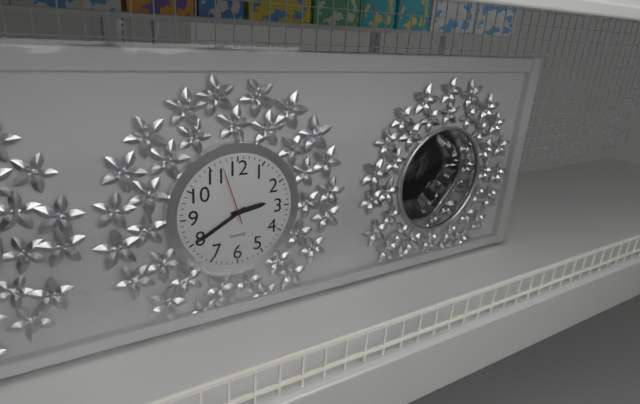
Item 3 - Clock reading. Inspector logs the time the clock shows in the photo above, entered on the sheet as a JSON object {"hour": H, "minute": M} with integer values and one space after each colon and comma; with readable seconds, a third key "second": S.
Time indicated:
{"hour": 2, "minute": 40, "second": 57}
